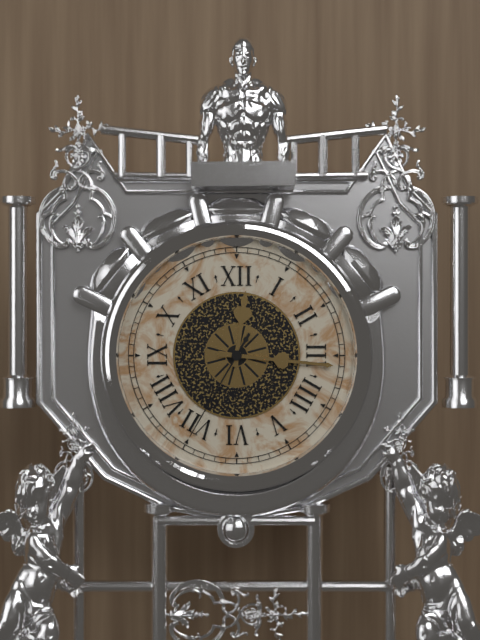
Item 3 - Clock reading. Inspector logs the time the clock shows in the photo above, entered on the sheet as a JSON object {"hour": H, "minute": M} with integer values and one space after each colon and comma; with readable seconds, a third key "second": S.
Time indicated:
{"hour": 12, "minute": 16, "second": 35}
